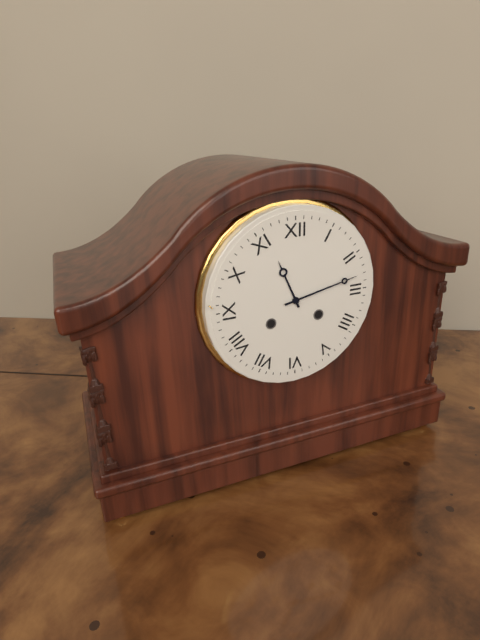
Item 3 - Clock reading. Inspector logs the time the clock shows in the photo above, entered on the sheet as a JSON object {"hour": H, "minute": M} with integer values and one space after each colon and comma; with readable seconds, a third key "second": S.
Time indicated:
{"hour": 11, "minute": 13}
